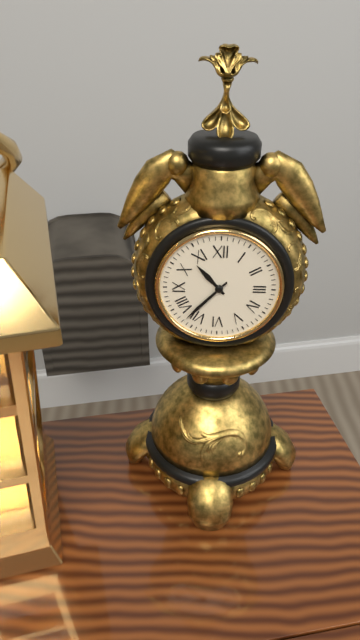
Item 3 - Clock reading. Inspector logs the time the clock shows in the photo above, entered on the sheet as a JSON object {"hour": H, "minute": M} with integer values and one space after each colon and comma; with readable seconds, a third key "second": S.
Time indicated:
{"hour": 10, "minute": 37}
